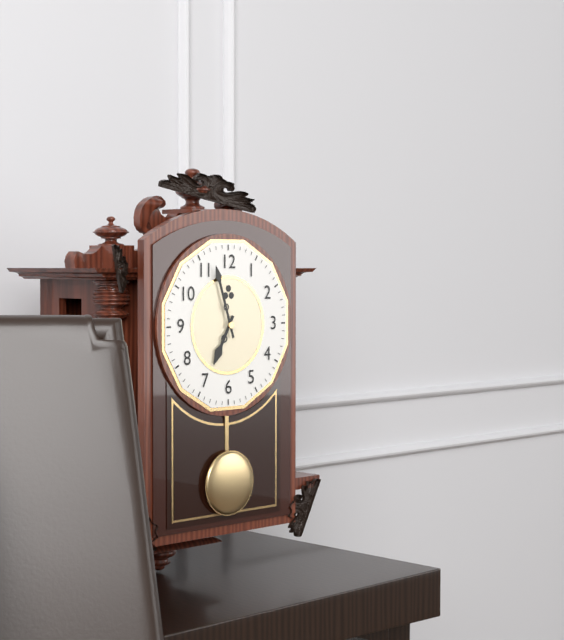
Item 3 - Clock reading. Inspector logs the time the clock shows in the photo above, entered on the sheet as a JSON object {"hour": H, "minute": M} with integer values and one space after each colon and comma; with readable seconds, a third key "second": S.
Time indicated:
{"hour": 6, "minute": 57}
